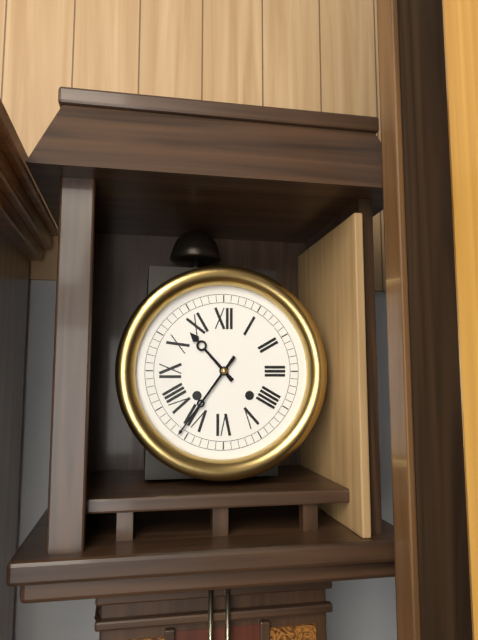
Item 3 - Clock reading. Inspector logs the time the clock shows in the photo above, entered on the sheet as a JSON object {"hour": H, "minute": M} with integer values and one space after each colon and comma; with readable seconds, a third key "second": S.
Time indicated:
{"hour": 10, "minute": 36}
